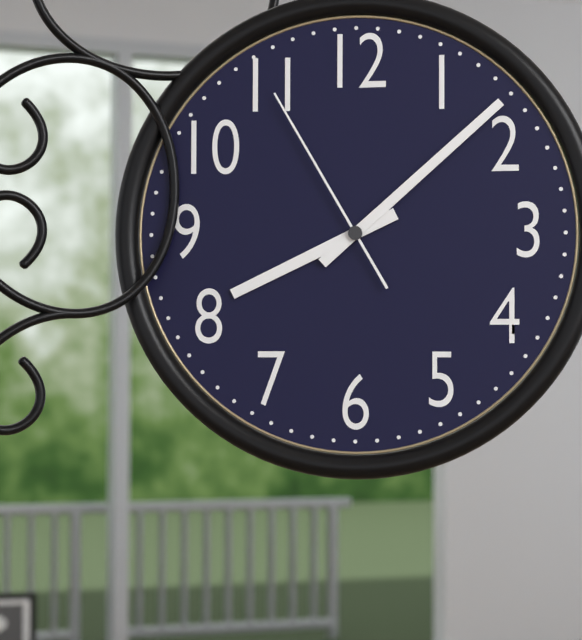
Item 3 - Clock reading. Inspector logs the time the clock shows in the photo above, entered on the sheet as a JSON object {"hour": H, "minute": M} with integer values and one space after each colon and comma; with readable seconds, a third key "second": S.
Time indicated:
{"hour": 8, "minute": 8, "second": 55}
